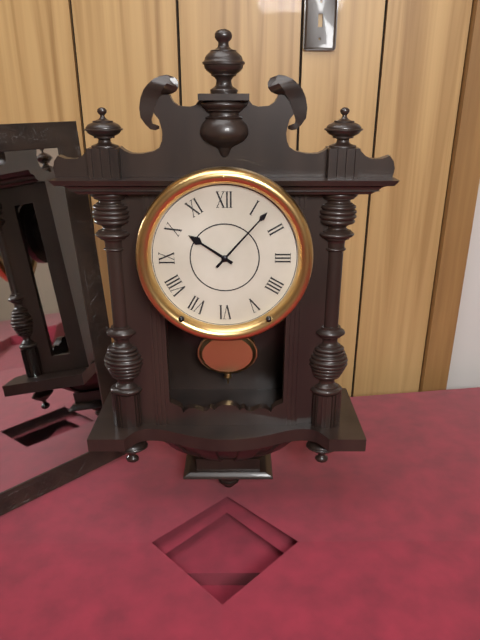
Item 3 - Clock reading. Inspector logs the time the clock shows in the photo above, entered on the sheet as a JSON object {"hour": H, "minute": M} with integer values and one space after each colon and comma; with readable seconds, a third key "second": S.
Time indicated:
{"hour": 10, "minute": 7}
